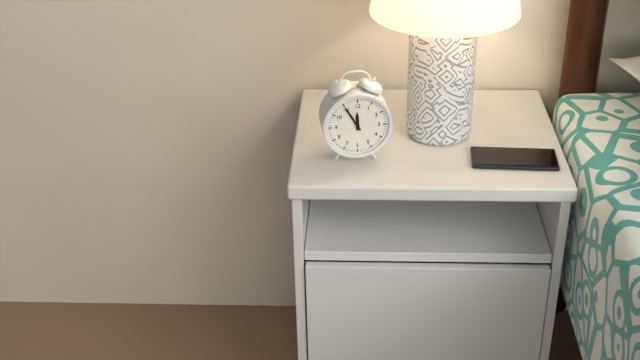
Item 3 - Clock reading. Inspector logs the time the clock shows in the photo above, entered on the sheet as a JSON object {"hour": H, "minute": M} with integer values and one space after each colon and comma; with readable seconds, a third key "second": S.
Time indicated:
{"hour": 11, "minute": 55}
